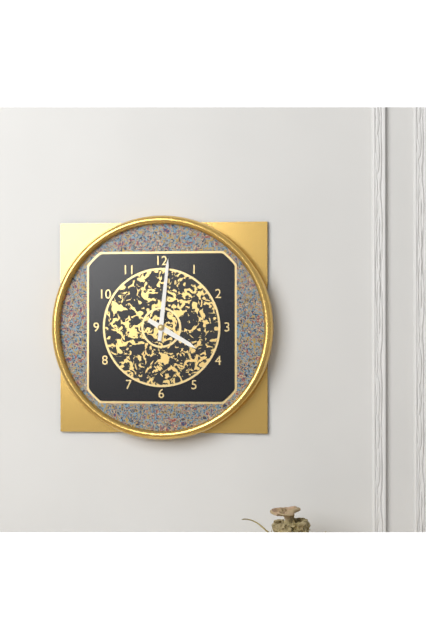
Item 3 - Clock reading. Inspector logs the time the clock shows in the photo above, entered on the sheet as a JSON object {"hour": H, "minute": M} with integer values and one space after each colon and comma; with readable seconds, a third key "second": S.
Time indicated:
{"hour": 4, "minute": 1}
